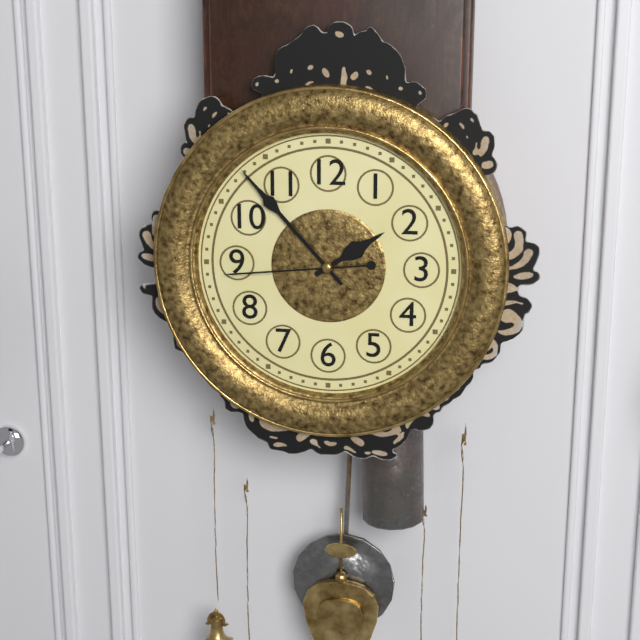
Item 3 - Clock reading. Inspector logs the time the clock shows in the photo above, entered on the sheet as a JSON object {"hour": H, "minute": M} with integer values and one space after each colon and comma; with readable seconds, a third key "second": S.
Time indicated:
{"hour": 1, "minute": 53, "second": 44}
